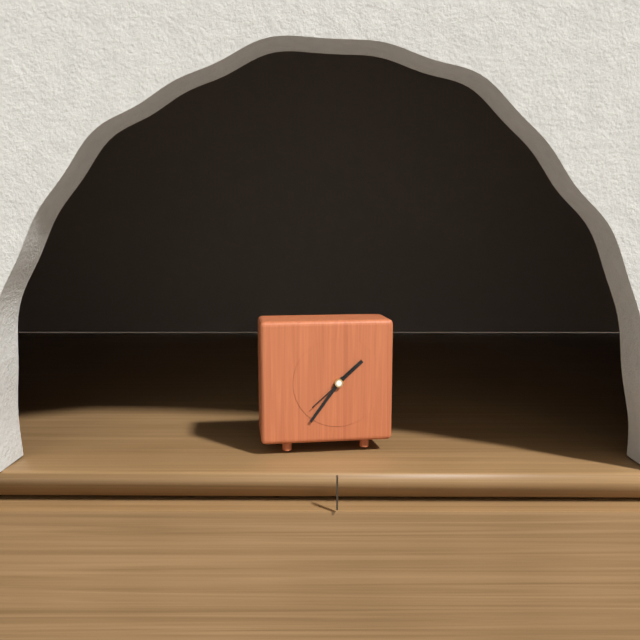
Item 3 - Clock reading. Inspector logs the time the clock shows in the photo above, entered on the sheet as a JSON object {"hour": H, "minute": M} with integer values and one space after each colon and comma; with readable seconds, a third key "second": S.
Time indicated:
{"hour": 1, "minute": 36}
